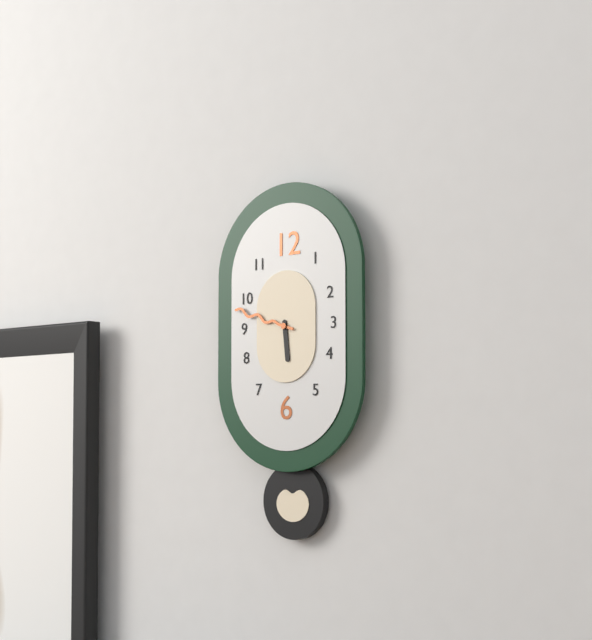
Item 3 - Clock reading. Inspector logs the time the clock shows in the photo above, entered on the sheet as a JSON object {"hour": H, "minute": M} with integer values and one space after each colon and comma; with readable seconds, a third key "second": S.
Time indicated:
{"hour": 5, "minute": 48}
